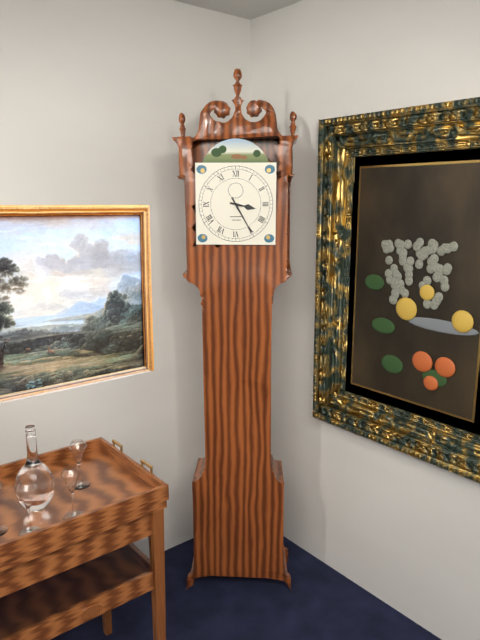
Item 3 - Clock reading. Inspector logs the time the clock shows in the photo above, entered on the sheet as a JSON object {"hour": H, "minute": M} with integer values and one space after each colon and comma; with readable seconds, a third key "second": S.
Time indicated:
{"hour": 3, "minute": 25}
